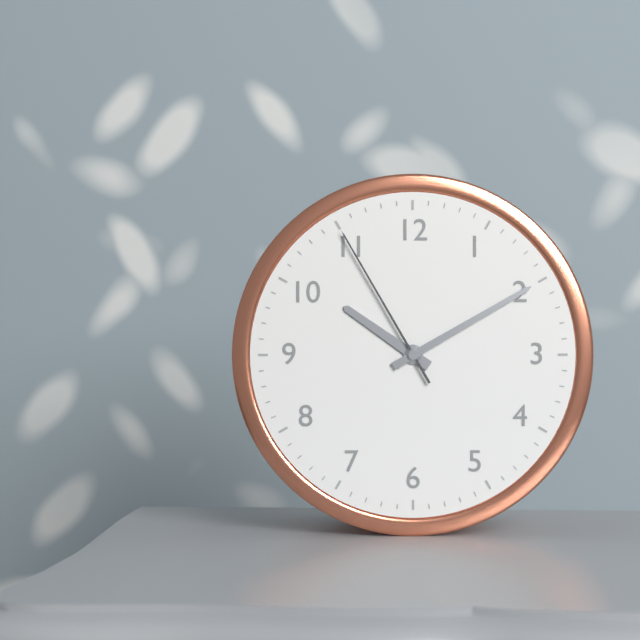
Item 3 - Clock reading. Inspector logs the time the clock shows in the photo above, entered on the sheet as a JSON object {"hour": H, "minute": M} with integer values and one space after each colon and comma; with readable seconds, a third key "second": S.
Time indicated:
{"hour": 10, "minute": 10, "second": 55}
